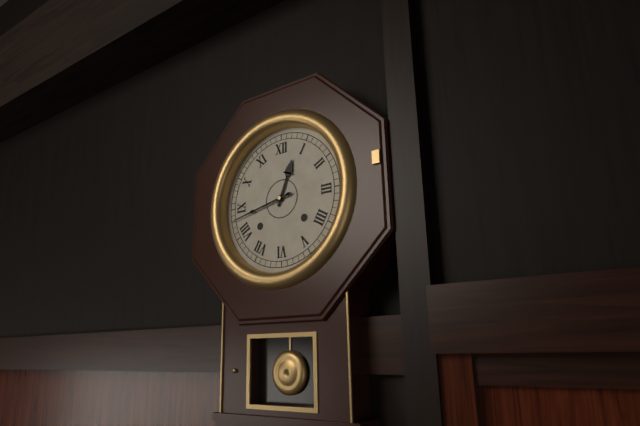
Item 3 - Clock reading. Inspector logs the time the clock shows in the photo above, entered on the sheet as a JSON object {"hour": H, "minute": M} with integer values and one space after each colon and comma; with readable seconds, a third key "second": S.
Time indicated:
{"hour": 12, "minute": 43}
